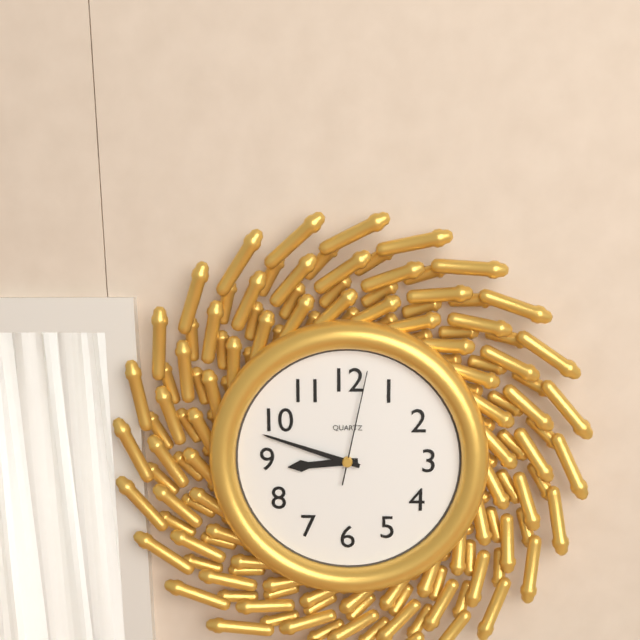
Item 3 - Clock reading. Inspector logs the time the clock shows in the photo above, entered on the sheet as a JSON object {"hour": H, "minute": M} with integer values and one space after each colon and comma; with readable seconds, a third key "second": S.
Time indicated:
{"hour": 8, "minute": 48, "second": 2}
